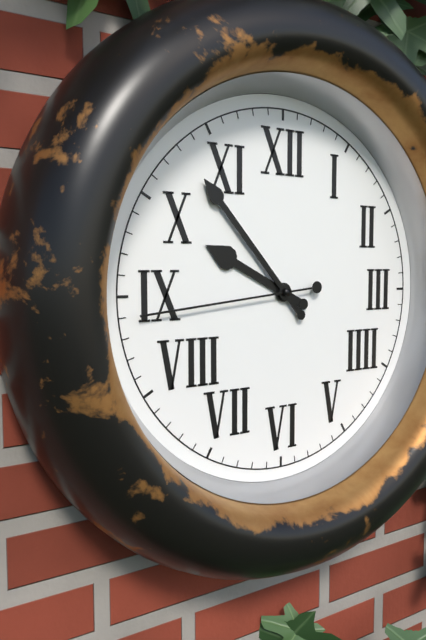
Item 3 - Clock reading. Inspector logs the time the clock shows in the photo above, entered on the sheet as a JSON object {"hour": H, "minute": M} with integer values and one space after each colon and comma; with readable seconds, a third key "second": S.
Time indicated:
{"hour": 9, "minute": 53, "second": 44}
